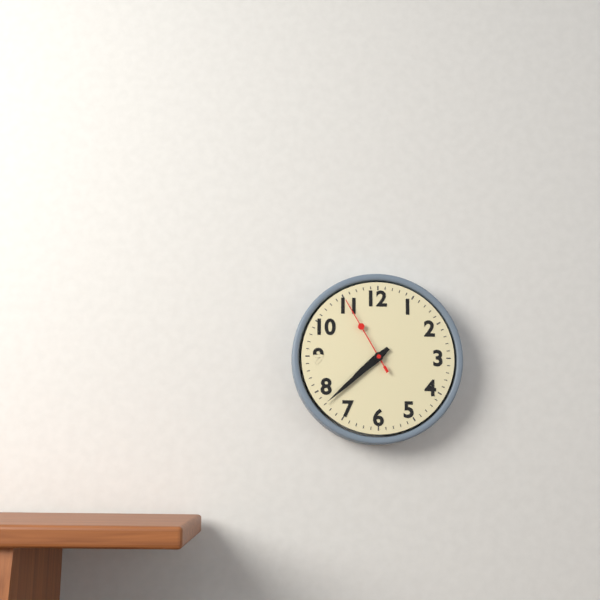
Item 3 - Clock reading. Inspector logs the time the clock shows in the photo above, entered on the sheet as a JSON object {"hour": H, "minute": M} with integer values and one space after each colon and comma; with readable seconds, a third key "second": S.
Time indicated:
{"hour": 7, "minute": 38, "second": 55}
